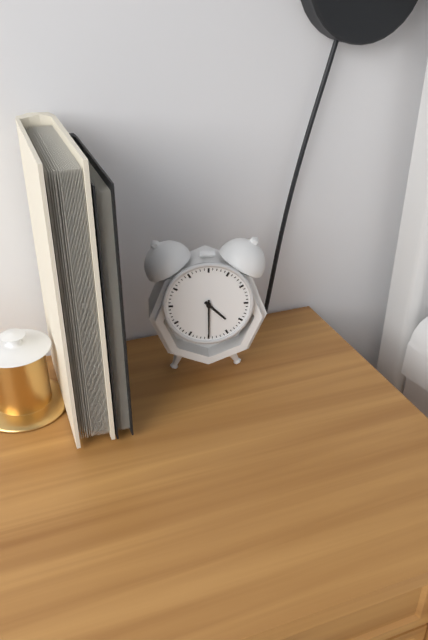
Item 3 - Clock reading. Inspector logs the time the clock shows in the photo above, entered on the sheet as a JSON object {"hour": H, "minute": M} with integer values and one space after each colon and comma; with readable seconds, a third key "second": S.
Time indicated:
{"hour": 4, "minute": 30}
